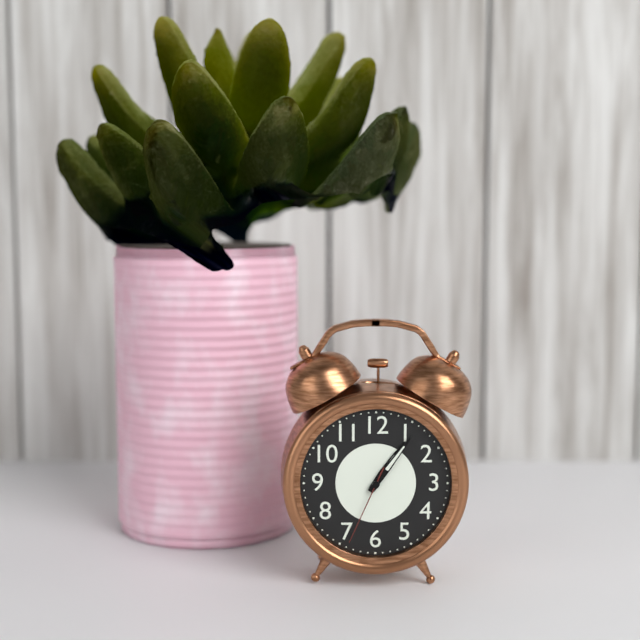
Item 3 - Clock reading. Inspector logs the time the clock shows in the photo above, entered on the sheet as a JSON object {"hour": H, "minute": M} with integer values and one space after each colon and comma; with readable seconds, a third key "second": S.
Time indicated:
{"hour": 1, "minute": 6, "second": 34}
